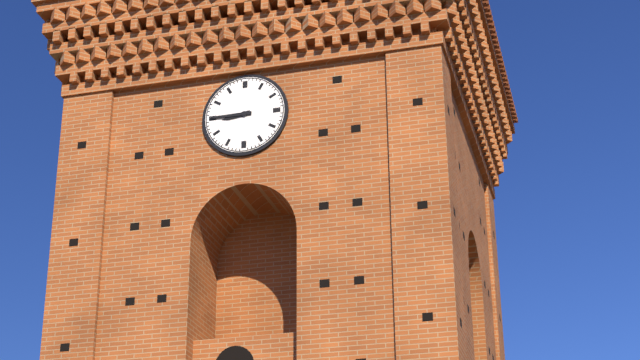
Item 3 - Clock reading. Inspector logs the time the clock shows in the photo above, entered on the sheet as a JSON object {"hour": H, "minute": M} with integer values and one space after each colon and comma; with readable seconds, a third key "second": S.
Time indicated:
{"hour": 8, "minute": 45}
